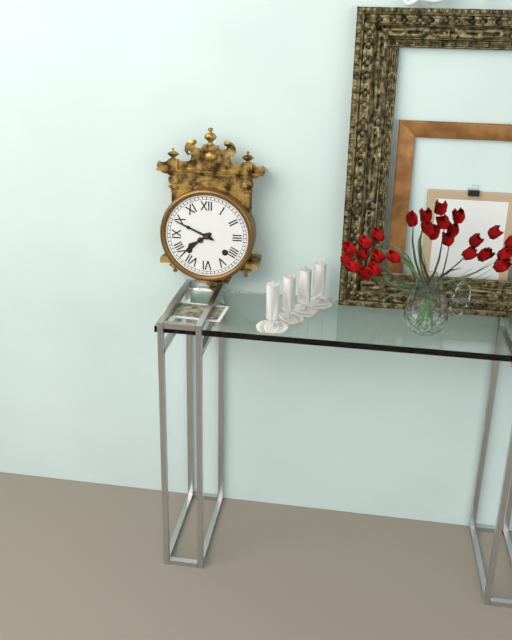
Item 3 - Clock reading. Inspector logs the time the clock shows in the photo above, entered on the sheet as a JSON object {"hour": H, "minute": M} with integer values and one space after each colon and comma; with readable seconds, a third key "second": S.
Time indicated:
{"hour": 7, "minute": 49}
